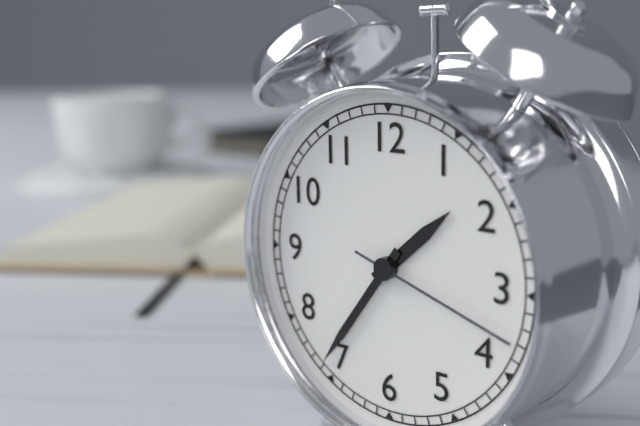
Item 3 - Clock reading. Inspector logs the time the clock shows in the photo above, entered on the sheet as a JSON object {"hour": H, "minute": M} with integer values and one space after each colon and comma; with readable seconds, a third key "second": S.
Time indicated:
{"hour": 1, "minute": 36, "second": 18}
